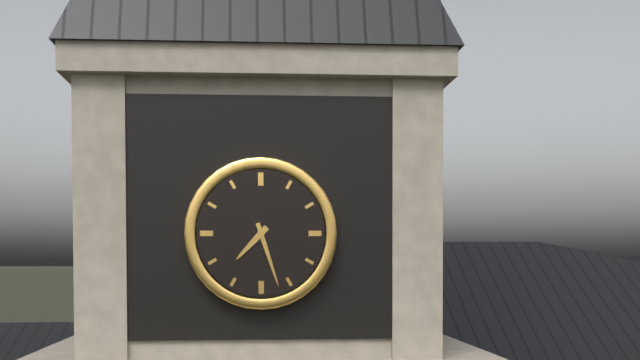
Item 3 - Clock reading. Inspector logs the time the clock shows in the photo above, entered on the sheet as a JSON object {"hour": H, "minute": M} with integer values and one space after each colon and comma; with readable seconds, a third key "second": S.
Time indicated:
{"hour": 7, "minute": 27}
